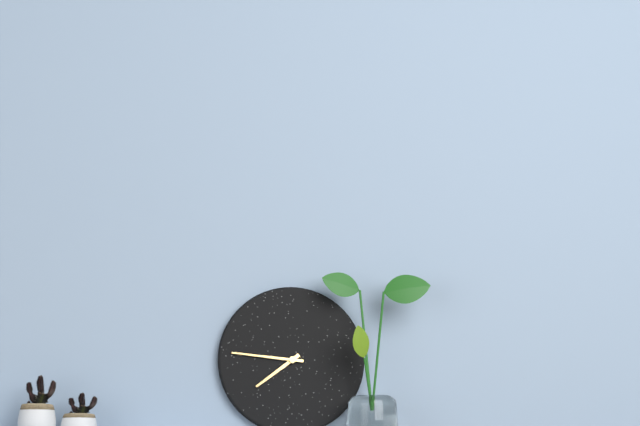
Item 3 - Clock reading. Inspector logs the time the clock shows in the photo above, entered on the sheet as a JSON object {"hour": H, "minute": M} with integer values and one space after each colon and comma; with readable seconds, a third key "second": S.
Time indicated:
{"hour": 7, "minute": 46}
